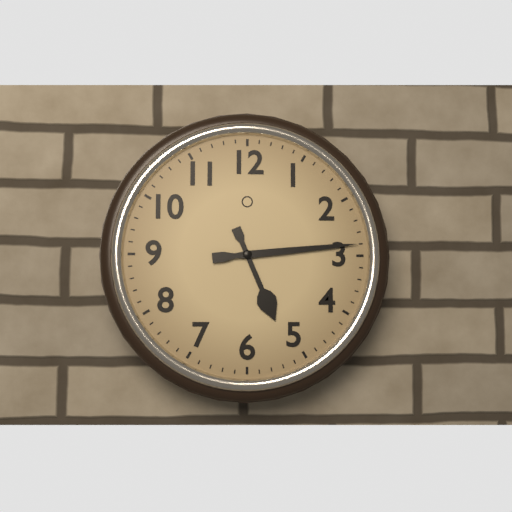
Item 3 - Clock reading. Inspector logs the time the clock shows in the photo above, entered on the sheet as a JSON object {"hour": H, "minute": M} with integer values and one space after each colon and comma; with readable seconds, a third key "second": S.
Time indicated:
{"hour": 5, "minute": 14}
